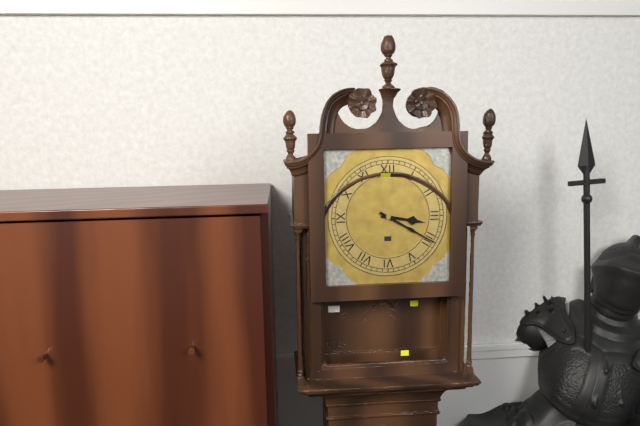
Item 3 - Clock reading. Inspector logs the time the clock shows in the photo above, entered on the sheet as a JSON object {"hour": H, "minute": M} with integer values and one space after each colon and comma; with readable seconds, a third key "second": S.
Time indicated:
{"hour": 3, "minute": 20}
